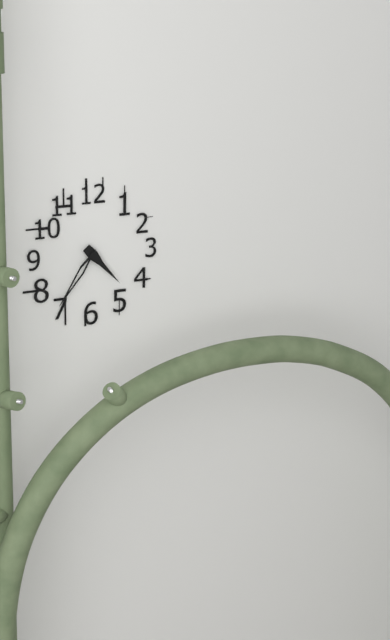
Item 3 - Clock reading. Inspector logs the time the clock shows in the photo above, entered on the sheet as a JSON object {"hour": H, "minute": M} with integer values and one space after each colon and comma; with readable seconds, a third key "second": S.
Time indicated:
{"hour": 4, "minute": 36}
